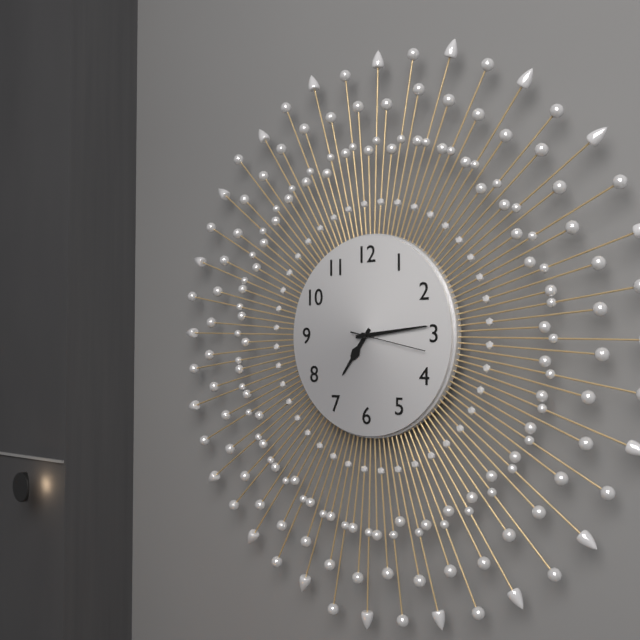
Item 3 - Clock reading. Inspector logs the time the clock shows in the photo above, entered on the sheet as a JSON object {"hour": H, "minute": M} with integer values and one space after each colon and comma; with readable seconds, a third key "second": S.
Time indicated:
{"hour": 7, "minute": 14, "second": 17}
